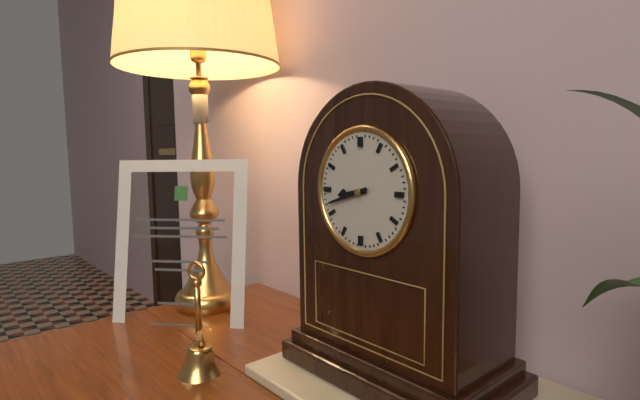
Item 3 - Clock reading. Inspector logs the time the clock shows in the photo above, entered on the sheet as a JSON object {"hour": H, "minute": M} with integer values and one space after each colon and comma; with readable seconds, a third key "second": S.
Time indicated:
{"hour": 8, "minute": 42}
